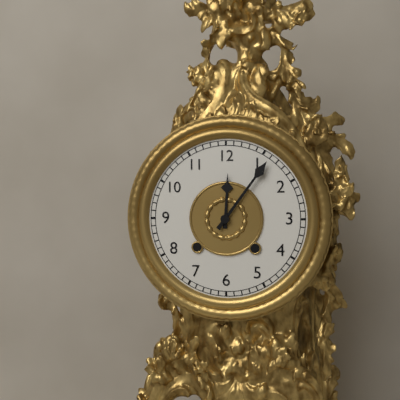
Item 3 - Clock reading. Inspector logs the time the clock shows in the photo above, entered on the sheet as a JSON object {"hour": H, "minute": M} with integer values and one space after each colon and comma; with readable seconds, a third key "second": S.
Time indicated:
{"hour": 12, "minute": 6}
